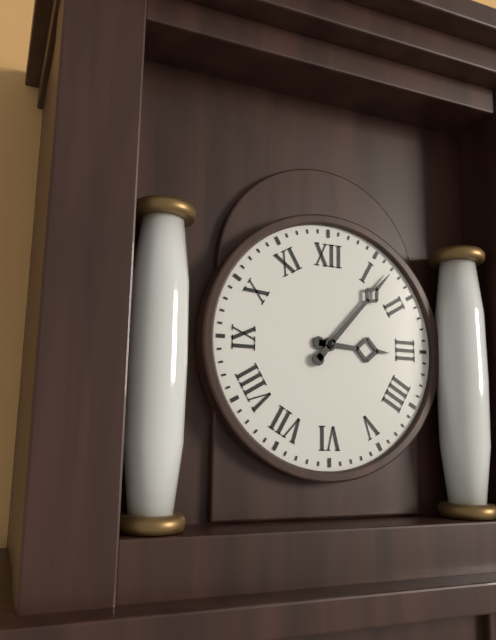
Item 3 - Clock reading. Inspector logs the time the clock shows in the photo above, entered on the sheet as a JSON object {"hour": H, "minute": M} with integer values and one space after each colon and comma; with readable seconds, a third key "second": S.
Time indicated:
{"hour": 3, "minute": 7}
